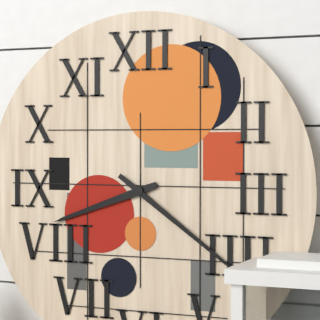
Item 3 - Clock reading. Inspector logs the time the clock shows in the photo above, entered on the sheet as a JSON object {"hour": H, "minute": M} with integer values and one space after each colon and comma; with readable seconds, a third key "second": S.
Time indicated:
{"hour": 8, "minute": 21}
